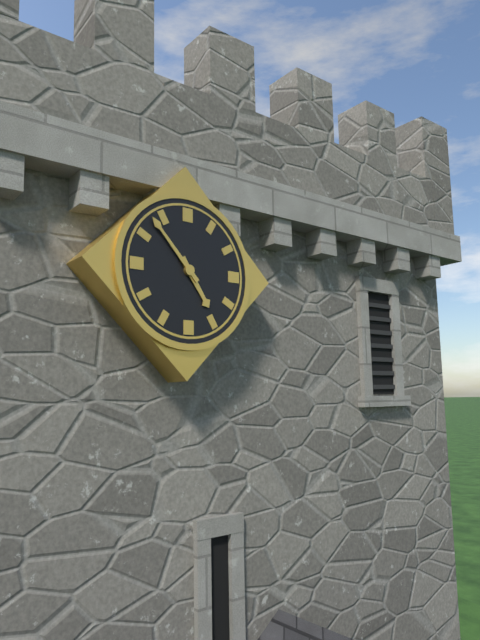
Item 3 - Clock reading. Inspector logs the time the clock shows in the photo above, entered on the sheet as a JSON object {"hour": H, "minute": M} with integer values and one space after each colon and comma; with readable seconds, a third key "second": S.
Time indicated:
{"hour": 4, "minute": 53}
